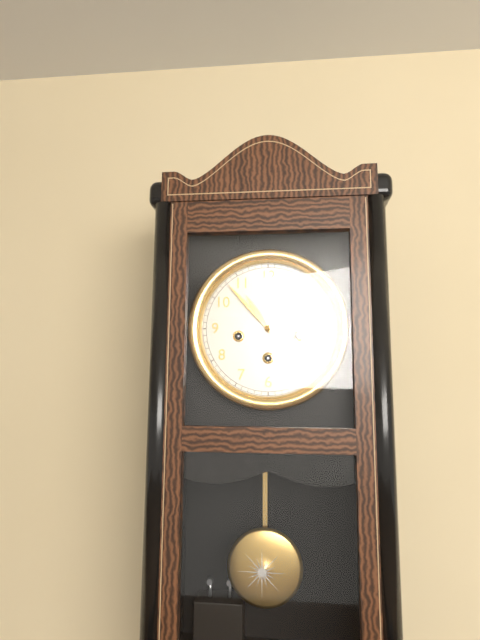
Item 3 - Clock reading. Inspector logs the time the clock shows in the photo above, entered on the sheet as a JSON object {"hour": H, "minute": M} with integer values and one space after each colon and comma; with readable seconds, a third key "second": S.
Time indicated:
{"hour": 10, "minute": 53}
